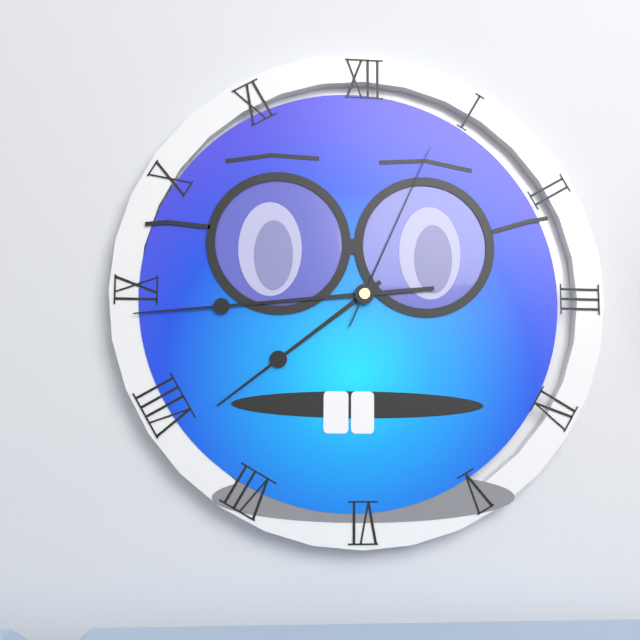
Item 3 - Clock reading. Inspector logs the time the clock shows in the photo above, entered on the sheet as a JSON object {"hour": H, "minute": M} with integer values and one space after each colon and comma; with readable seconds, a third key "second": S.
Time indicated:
{"hour": 7, "minute": 44, "second": 4}
